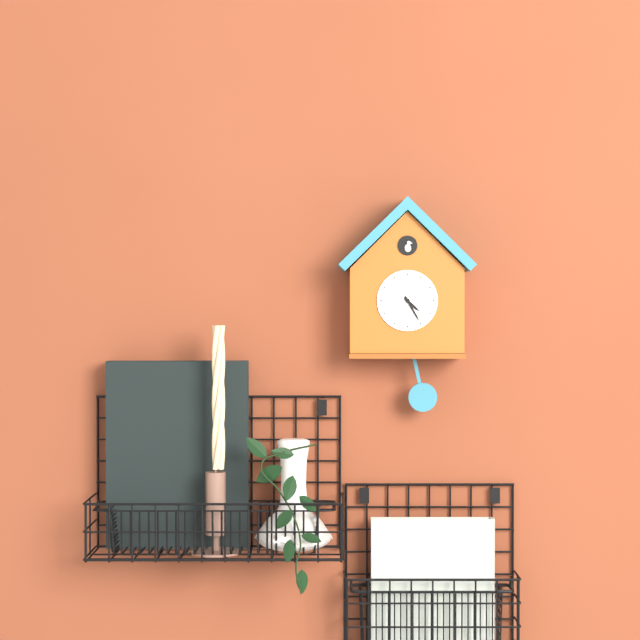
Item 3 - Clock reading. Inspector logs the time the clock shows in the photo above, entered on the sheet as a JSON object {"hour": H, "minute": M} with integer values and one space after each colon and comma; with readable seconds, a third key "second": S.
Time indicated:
{"hour": 4, "minute": 25}
